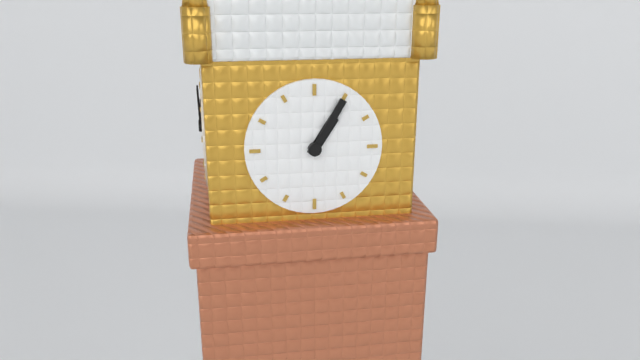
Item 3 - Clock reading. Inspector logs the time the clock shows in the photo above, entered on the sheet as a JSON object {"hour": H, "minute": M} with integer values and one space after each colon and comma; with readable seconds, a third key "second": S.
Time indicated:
{"hour": 1, "minute": 5}
